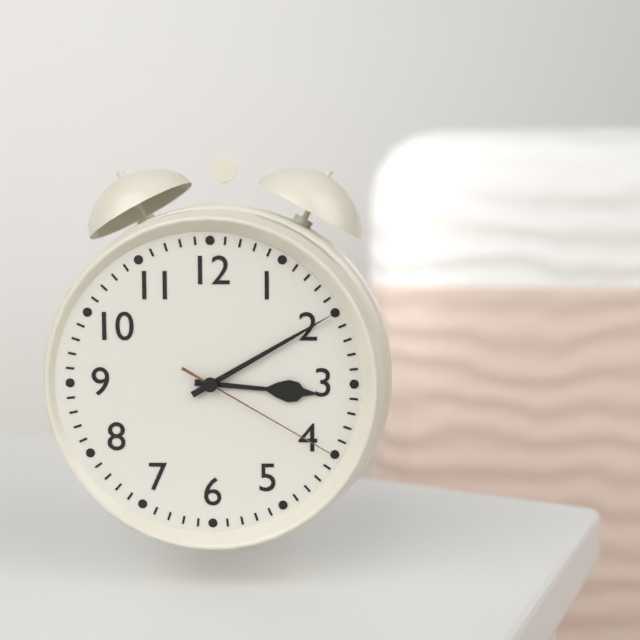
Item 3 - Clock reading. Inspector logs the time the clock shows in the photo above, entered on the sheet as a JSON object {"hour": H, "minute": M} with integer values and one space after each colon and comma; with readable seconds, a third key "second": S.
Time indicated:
{"hour": 3, "minute": 10, "second": 20}
